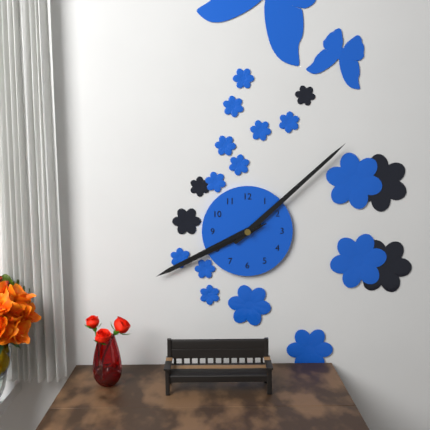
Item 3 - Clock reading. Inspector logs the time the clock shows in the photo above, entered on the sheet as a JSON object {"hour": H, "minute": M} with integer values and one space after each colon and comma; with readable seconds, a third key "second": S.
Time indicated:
{"hour": 8, "minute": 8, "second": 41}
